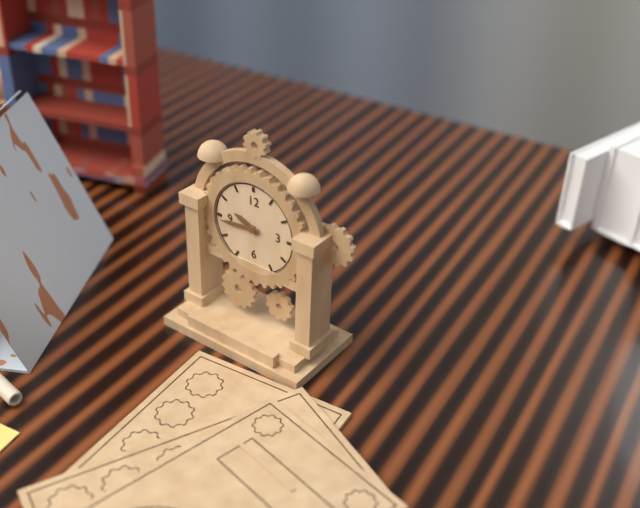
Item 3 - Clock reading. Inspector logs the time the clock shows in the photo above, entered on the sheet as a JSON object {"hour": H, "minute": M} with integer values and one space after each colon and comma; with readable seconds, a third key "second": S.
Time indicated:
{"hour": 9, "minute": 44}
